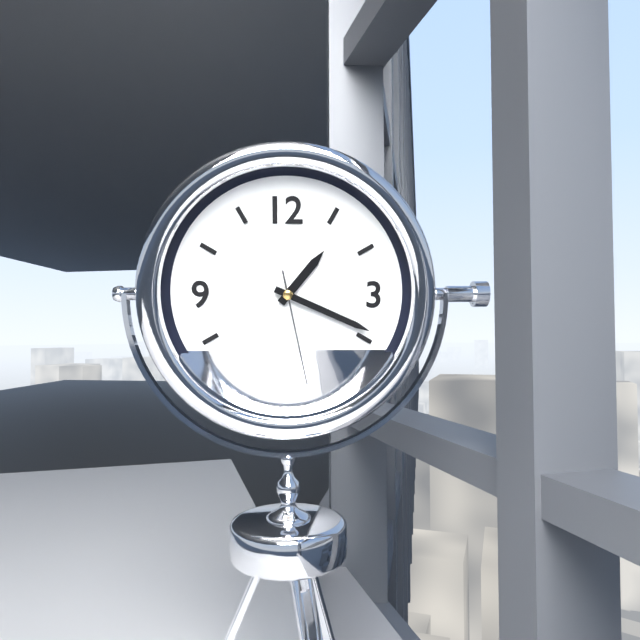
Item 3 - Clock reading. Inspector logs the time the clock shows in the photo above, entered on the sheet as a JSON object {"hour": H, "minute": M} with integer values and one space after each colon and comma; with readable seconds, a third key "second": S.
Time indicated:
{"hour": 1, "minute": 19, "second": 28}
